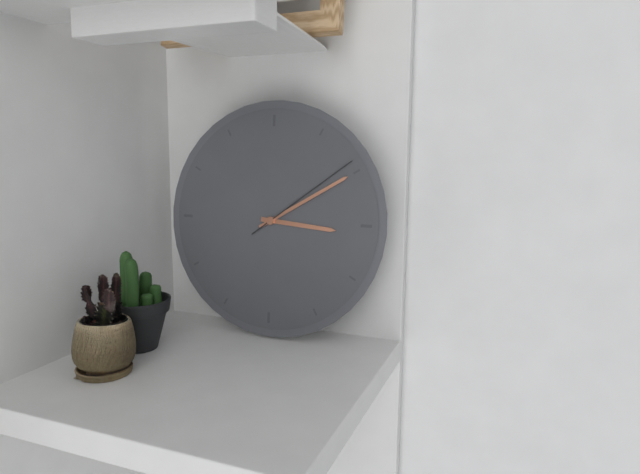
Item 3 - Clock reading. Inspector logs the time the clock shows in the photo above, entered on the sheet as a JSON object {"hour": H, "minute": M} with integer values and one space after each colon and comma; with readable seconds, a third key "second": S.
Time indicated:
{"hour": 3, "minute": 10, "second": 9}
